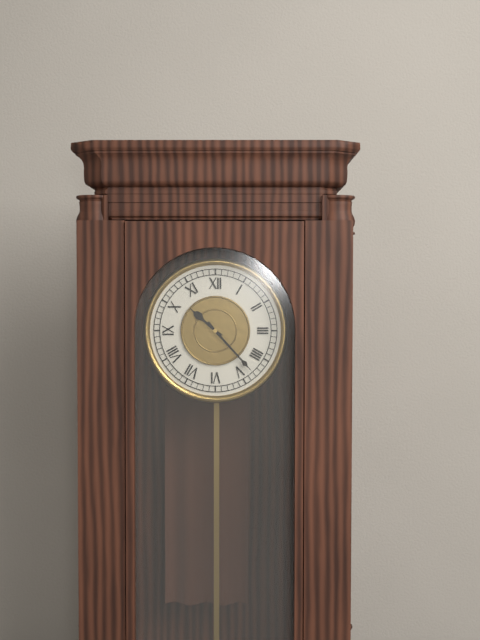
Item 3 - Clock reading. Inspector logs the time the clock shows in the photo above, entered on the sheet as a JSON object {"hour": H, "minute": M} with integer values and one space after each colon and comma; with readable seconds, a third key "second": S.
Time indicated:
{"hour": 10, "minute": 23}
